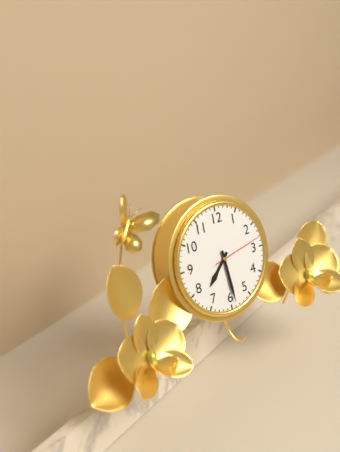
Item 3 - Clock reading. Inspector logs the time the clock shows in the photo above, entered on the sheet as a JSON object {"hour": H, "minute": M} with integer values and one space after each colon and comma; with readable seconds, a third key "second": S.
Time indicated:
{"hour": 7, "minute": 29, "second": 13}
